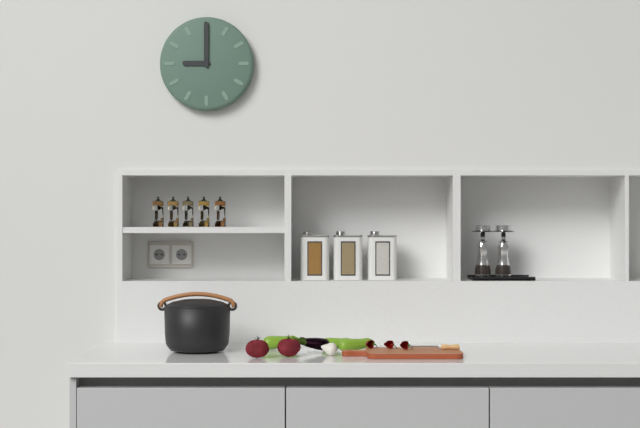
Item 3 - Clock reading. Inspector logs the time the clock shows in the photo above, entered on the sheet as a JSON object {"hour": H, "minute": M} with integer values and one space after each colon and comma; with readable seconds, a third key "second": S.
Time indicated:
{"hour": 9, "minute": 0}
